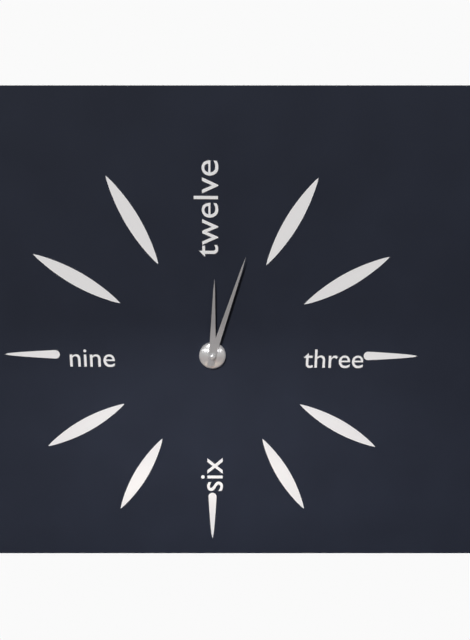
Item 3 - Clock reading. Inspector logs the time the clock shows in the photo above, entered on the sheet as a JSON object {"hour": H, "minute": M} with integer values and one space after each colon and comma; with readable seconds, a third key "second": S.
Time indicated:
{"hour": 12, "minute": 3}
